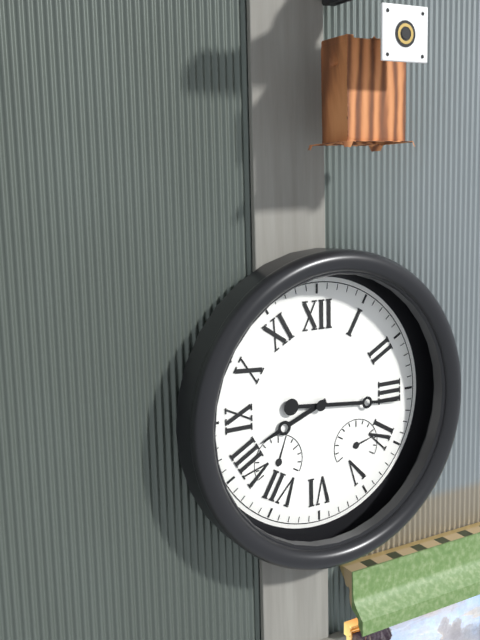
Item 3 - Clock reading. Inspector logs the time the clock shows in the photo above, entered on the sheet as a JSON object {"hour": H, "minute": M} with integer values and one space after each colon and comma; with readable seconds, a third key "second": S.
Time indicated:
{"hour": 8, "minute": 16}
